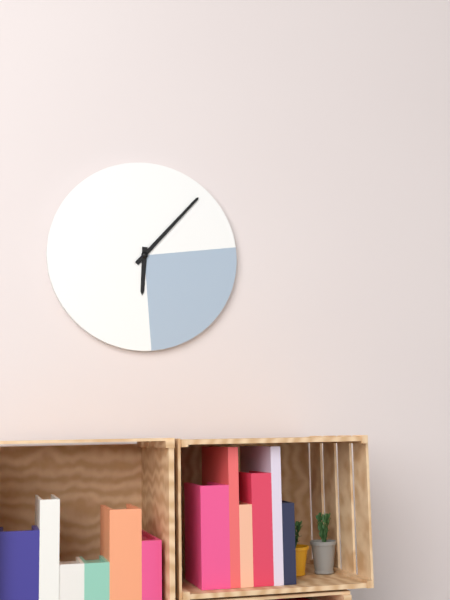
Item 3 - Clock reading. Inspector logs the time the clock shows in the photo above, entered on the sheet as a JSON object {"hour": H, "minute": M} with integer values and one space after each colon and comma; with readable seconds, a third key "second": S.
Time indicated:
{"hour": 6, "minute": 7}
